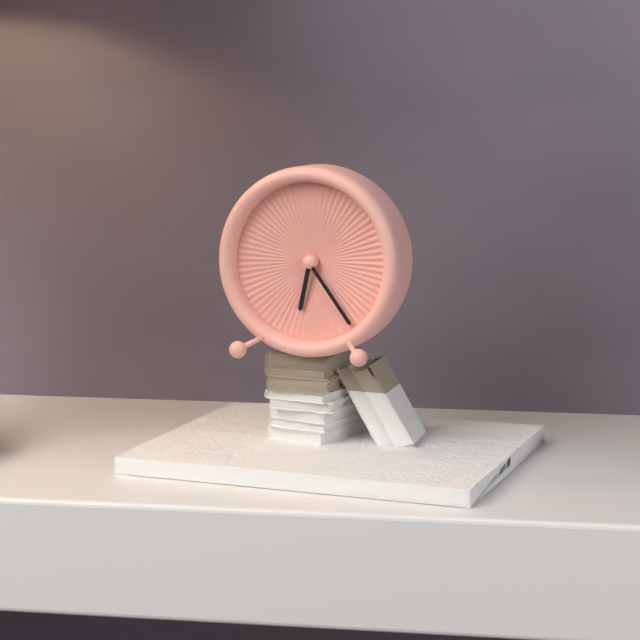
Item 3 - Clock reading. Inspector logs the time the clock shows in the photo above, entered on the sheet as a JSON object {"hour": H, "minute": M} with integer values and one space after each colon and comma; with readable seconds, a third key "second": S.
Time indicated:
{"hour": 6, "minute": 24}
